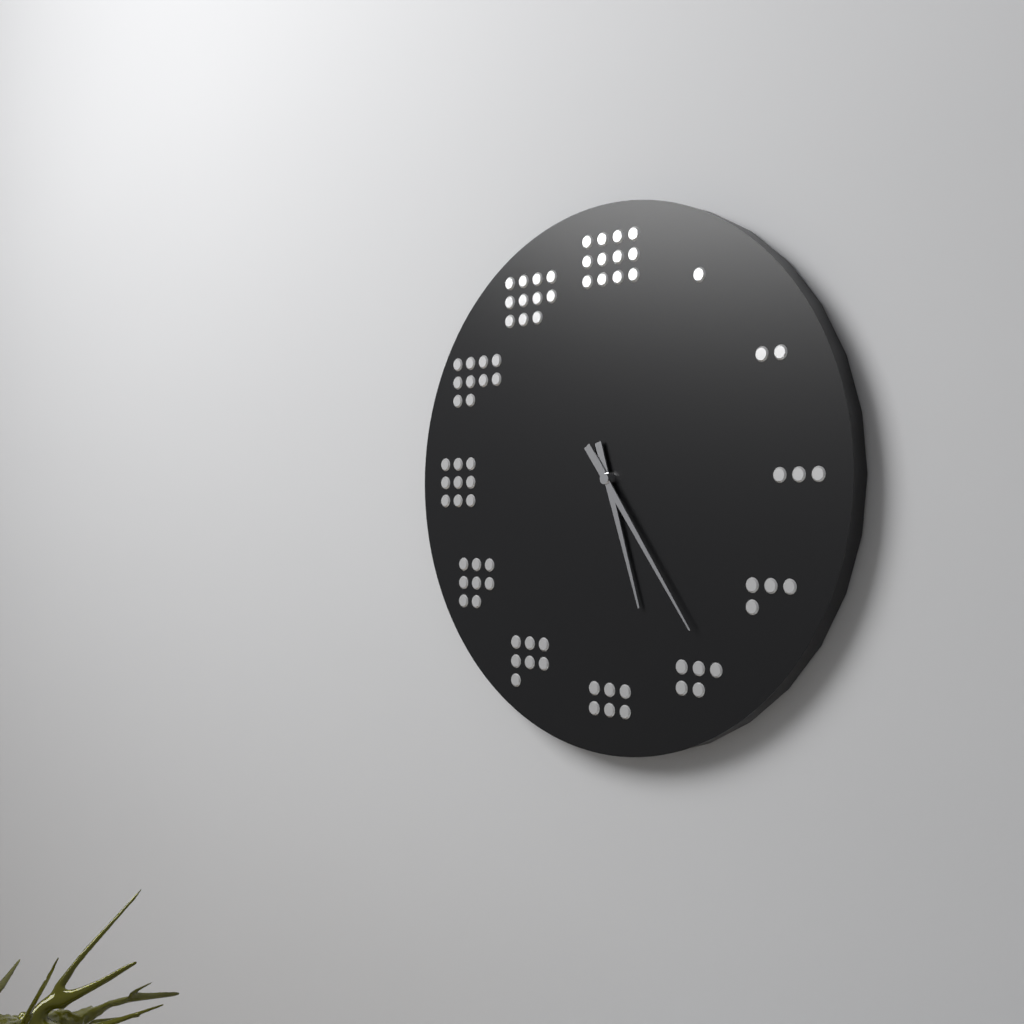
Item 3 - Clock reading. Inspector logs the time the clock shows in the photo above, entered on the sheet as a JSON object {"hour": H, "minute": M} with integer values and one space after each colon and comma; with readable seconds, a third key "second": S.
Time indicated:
{"hour": 5, "minute": 24}
